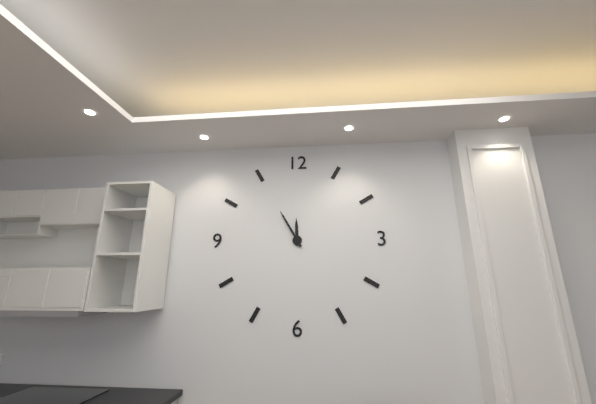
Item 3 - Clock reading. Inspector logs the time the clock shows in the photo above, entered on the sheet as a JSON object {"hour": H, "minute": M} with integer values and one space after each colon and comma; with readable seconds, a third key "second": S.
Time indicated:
{"hour": 11, "minute": 55}
